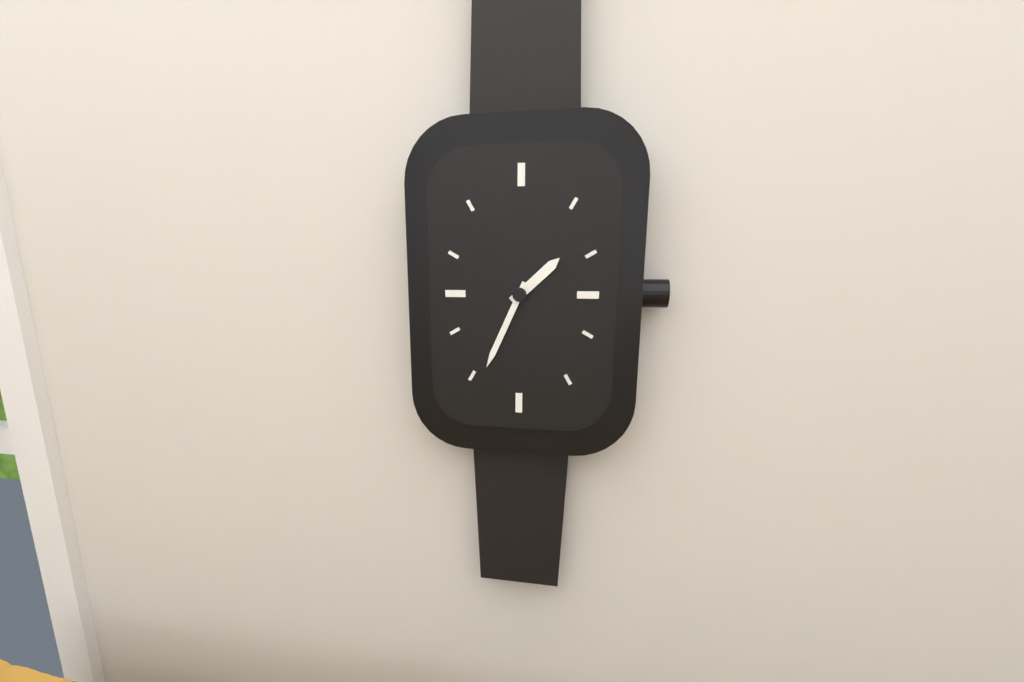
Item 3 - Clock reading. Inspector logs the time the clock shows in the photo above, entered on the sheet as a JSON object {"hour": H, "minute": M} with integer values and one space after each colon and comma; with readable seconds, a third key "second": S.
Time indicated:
{"hour": 1, "minute": 34}
